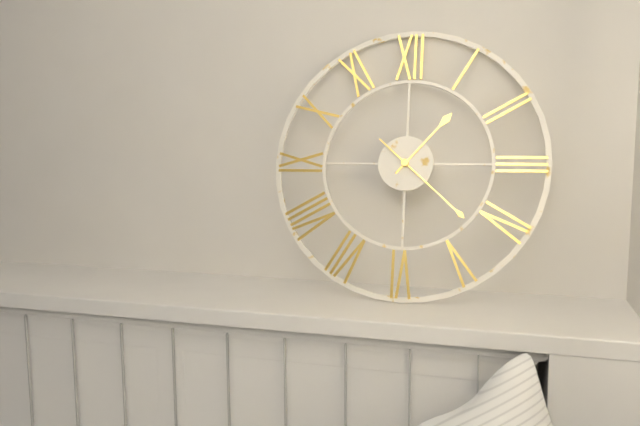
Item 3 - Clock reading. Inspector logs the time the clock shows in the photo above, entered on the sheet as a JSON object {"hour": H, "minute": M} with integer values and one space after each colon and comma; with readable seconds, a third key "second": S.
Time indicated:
{"hour": 1, "minute": 22}
